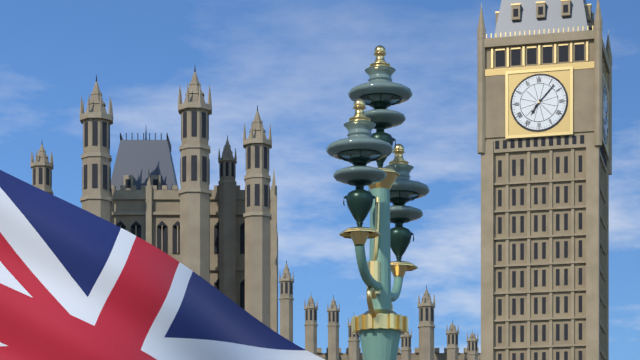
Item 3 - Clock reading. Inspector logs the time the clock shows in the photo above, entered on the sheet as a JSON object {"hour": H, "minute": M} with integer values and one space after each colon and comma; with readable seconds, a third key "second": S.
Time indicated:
{"hour": 7, "minute": 7}
